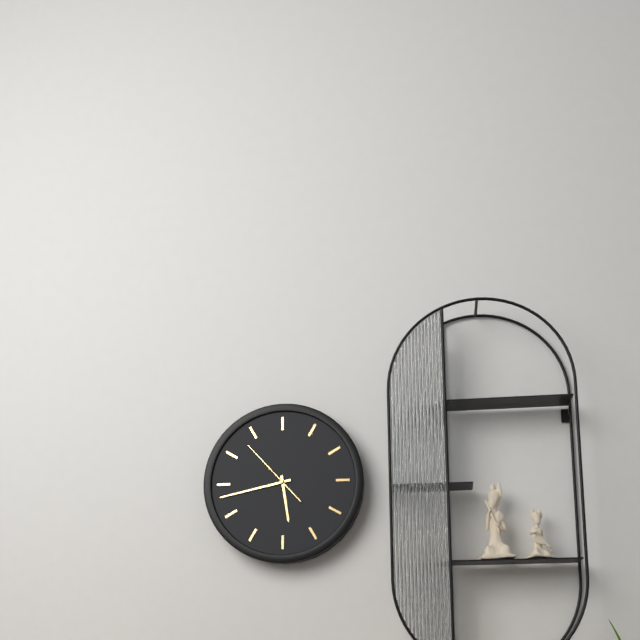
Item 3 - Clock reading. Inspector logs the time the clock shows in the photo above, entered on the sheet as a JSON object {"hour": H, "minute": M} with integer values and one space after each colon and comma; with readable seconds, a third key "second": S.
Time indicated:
{"hour": 5, "minute": 43, "second": 53}
